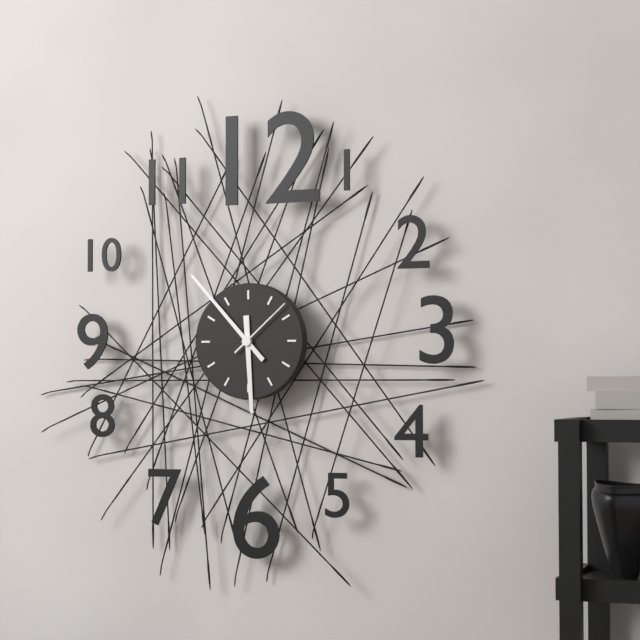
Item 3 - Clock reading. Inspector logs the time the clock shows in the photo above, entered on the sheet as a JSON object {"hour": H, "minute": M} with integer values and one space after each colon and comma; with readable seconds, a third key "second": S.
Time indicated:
{"hour": 5, "minute": 53, "second": 8}
